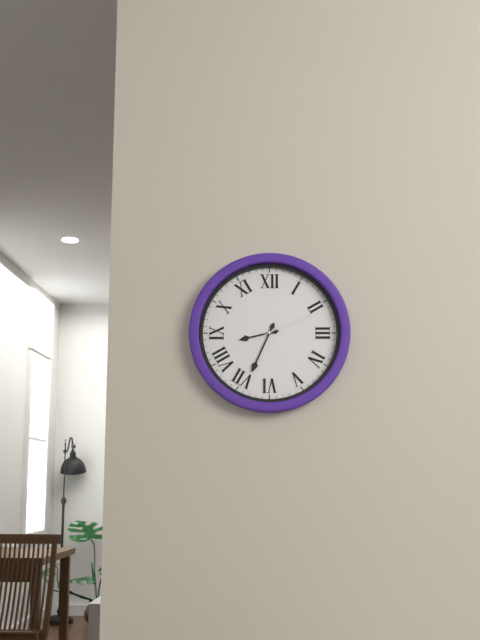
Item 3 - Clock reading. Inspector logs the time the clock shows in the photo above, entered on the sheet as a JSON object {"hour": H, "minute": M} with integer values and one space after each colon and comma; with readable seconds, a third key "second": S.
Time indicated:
{"hour": 8, "minute": 34, "second": 11}
